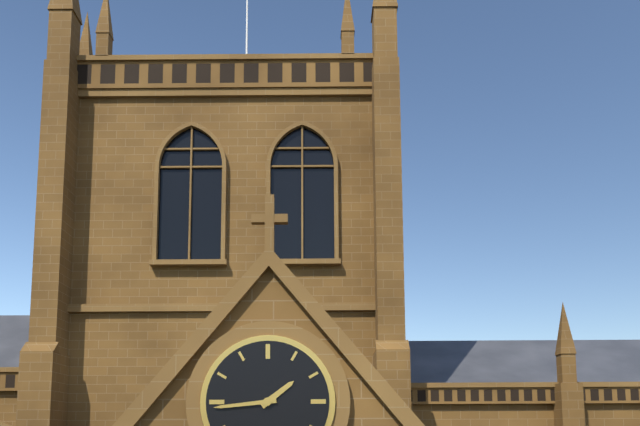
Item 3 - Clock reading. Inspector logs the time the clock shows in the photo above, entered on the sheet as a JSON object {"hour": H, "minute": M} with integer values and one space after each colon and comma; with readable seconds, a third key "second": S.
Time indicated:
{"hour": 1, "minute": 44}
